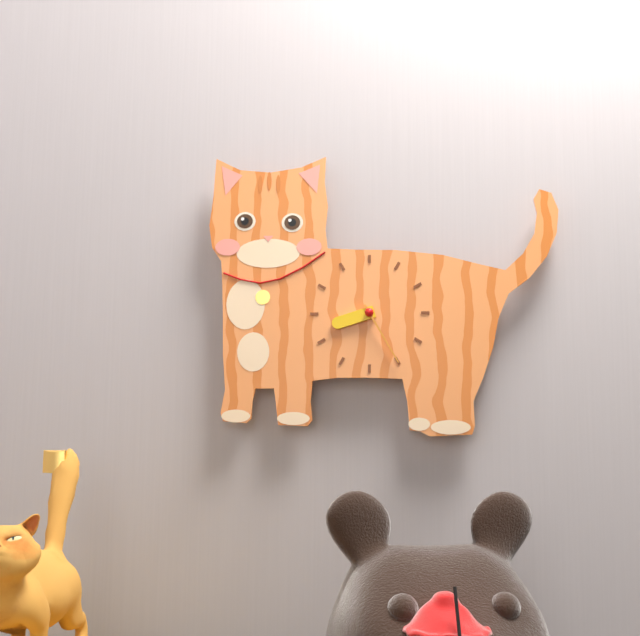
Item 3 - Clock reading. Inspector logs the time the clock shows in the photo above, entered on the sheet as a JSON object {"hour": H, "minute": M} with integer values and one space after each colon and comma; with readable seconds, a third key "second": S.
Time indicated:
{"hour": 8, "minute": 25}
